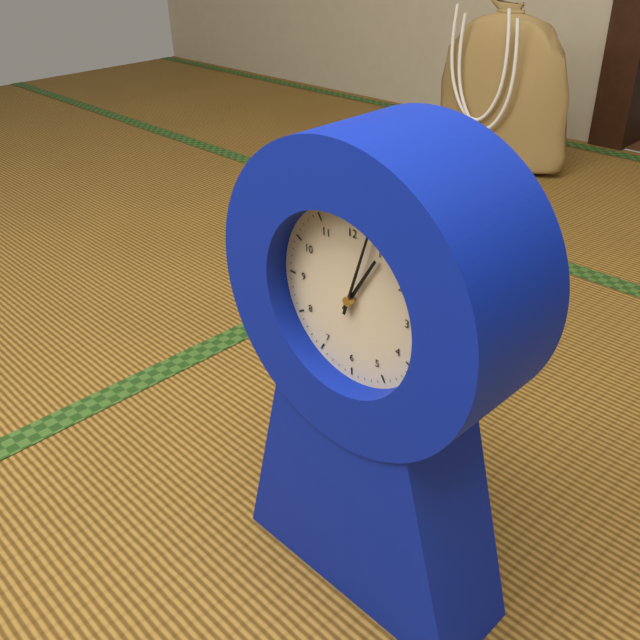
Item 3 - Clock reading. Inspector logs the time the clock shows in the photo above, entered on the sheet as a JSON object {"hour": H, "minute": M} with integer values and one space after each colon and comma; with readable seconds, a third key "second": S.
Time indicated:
{"hour": 1, "minute": 3}
